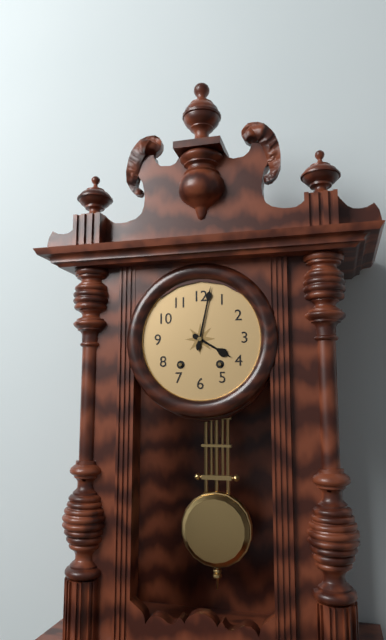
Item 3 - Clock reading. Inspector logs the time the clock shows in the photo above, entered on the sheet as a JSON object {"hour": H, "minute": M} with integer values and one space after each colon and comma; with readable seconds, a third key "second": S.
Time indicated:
{"hour": 4, "minute": 2}
